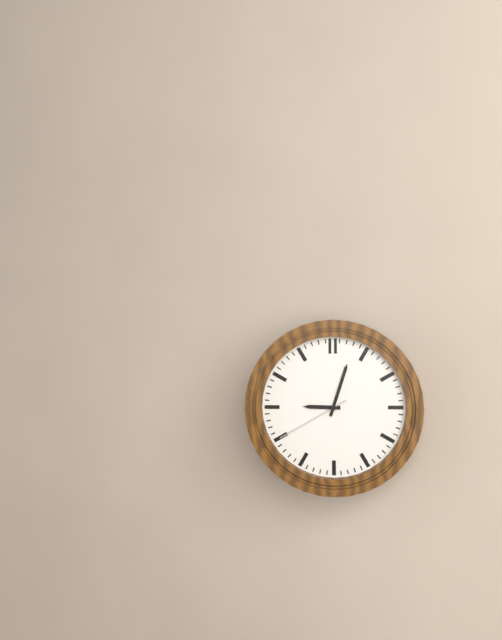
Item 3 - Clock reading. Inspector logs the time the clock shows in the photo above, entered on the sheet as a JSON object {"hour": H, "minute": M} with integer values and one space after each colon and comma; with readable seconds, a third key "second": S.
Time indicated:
{"hour": 9, "minute": 3, "second": 40}
